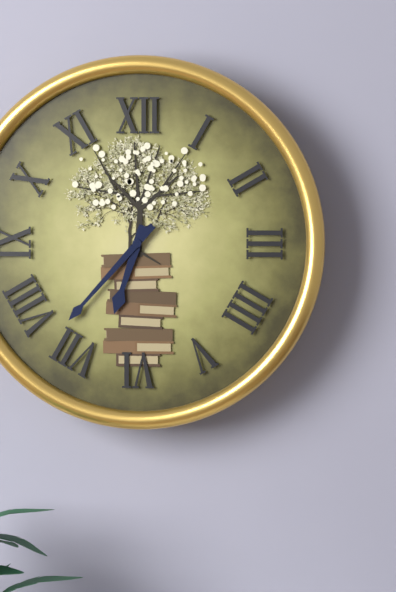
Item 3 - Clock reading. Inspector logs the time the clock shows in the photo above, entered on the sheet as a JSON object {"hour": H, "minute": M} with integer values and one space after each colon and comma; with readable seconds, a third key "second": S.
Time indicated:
{"hour": 6, "minute": 37}
